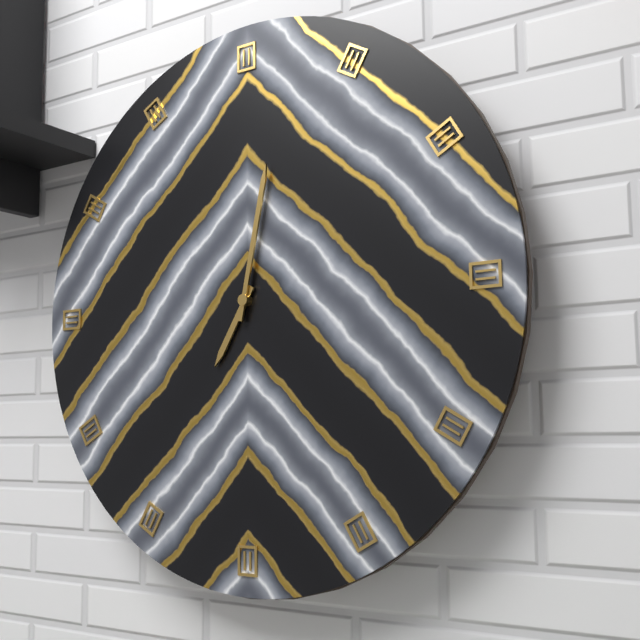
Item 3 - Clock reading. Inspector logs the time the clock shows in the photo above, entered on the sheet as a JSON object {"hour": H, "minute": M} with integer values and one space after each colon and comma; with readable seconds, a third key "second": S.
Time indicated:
{"hour": 7, "minute": 2}
